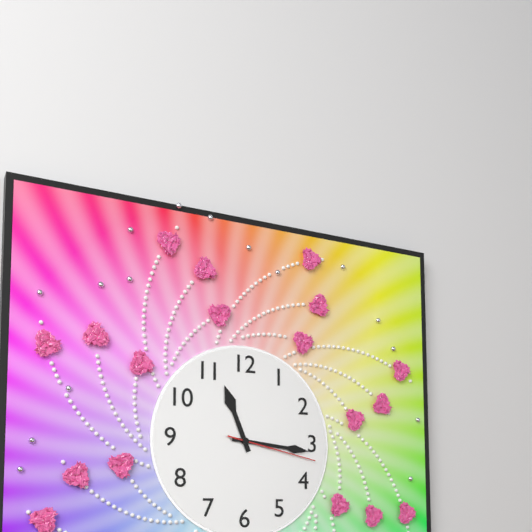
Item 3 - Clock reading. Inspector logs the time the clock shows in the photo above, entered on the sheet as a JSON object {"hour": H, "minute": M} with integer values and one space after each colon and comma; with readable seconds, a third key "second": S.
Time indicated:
{"hour": 11, "minute": 16, "second": 17}
